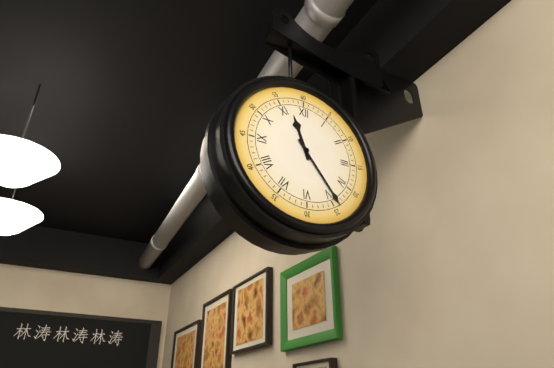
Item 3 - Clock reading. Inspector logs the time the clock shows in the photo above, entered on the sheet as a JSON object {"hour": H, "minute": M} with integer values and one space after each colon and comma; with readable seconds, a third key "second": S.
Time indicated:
{"hour": 11, "minute": 24}
